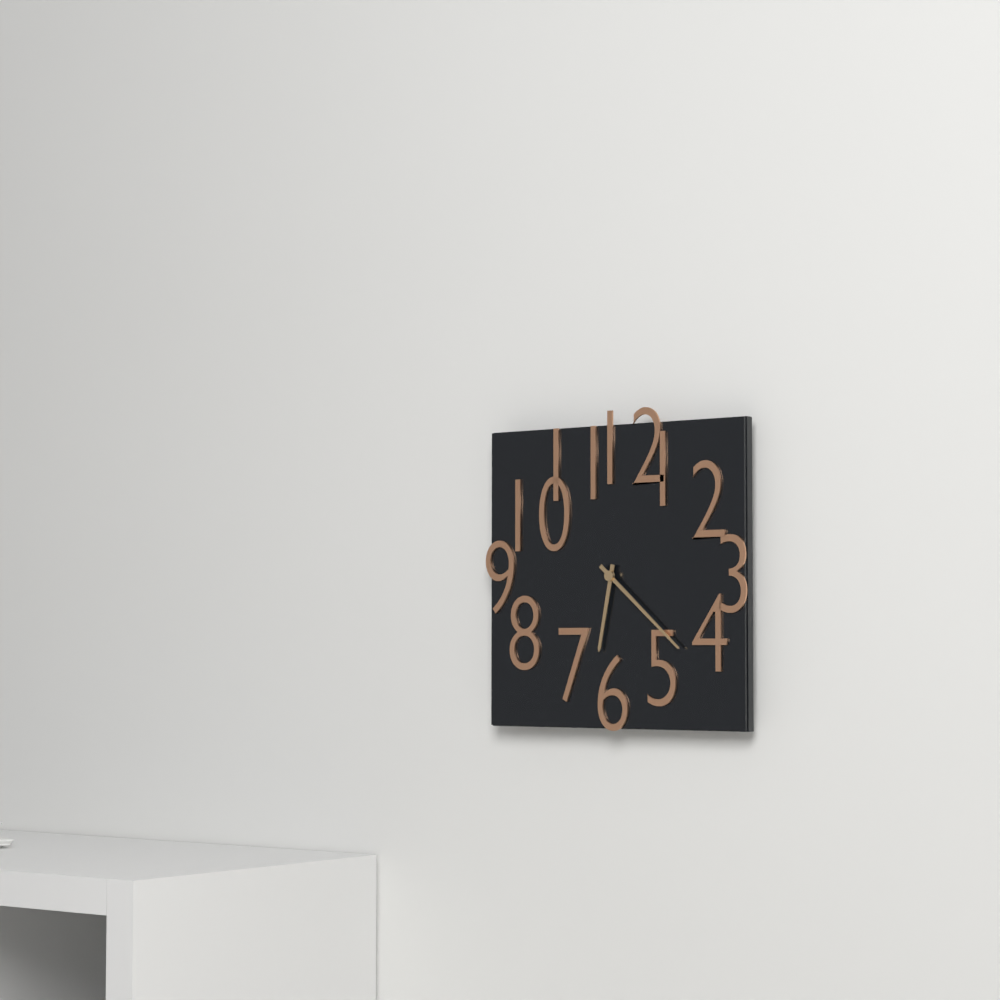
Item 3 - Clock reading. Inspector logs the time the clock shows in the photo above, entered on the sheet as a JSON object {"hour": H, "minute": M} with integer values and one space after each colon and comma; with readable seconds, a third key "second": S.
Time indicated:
{"hour": 6, "minute": 22}
